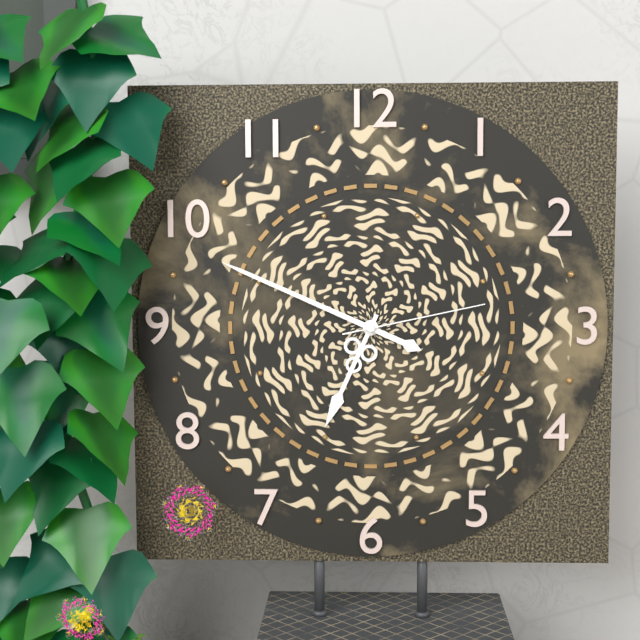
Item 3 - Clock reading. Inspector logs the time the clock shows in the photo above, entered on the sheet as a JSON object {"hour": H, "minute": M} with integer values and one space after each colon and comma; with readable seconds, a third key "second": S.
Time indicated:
{"hour": 6, "minute": 49, "second": 13}
